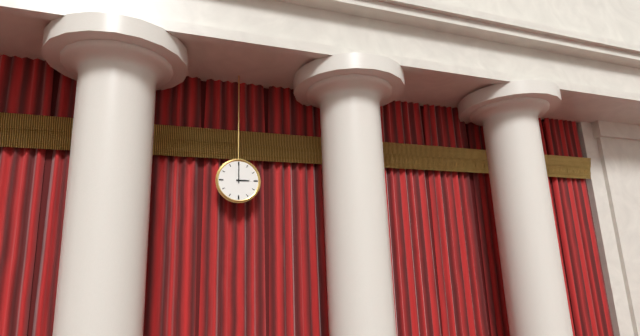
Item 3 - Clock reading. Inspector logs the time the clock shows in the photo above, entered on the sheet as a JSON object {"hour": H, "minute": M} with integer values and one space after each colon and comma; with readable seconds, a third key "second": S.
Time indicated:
{"hour": 3, "minute": 0}
